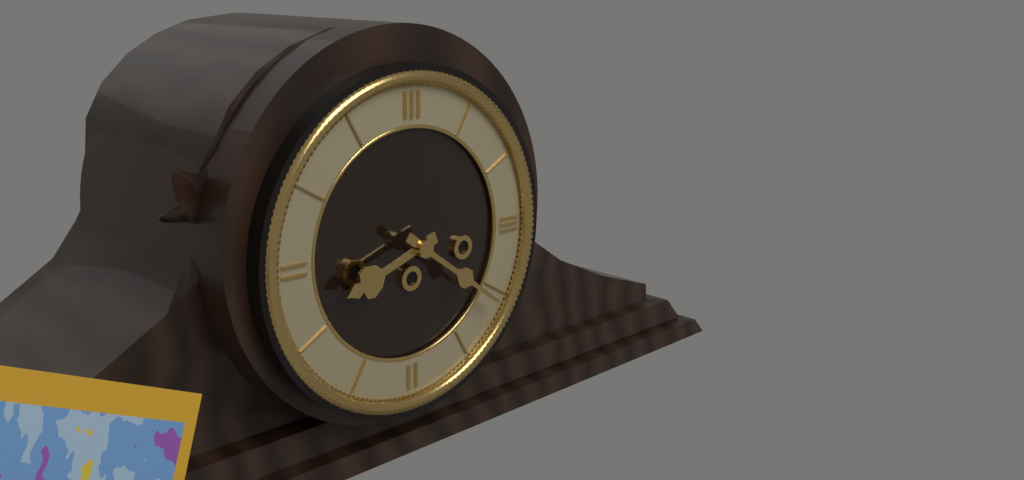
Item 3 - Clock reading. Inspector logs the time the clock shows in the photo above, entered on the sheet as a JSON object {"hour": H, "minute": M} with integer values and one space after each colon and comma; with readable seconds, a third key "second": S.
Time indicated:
{"hour": 8, "minute": 21}
